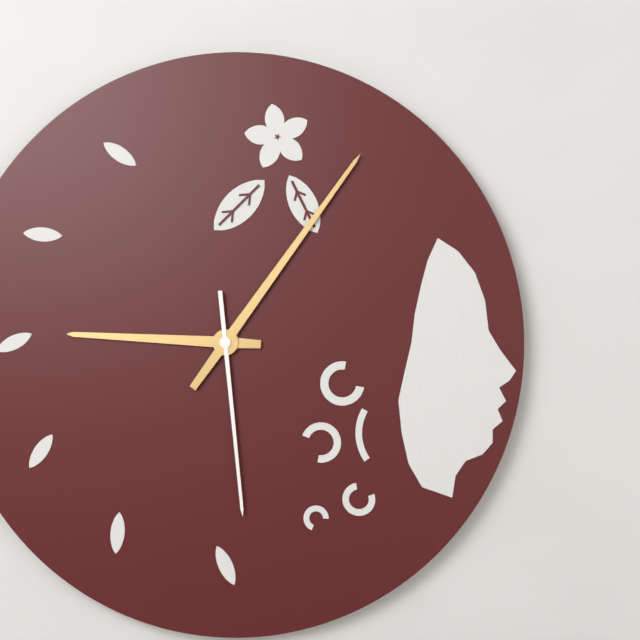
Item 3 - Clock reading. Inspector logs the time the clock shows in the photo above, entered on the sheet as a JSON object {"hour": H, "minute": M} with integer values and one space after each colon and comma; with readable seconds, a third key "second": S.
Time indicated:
{"hour": 9, "minute": 6, "second": 29}
